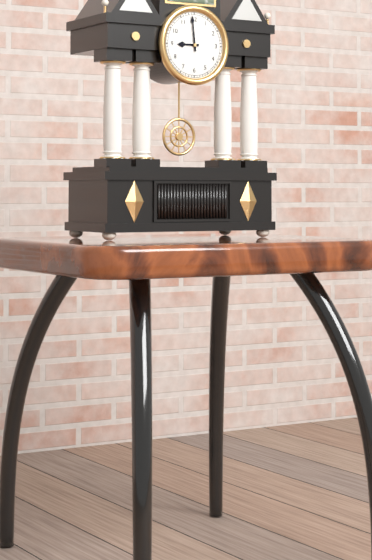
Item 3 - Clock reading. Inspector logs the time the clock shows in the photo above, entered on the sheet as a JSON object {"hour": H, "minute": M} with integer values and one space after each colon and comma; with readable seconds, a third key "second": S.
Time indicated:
{"hour": 8, "minute": 59}
